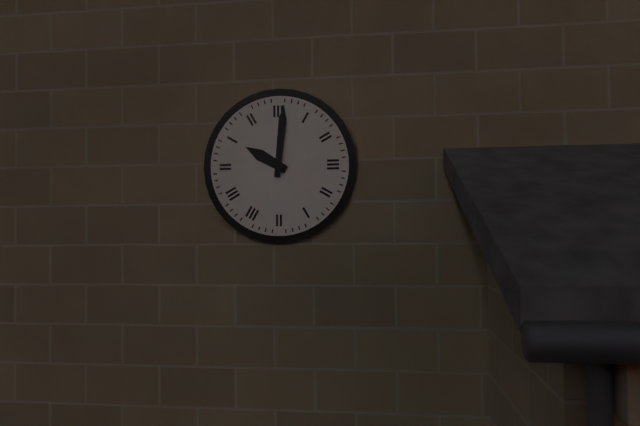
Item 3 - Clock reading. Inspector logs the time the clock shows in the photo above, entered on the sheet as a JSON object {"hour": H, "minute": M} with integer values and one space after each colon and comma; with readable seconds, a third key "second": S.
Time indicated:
{"hour": 10, "minute": 1}
